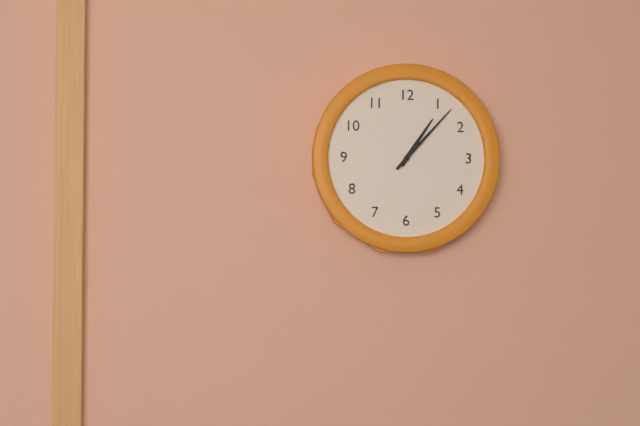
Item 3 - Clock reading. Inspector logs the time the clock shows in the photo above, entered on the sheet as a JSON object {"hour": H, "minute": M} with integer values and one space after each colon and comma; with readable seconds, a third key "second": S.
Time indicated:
{"hour": 1, "minute": 7}
